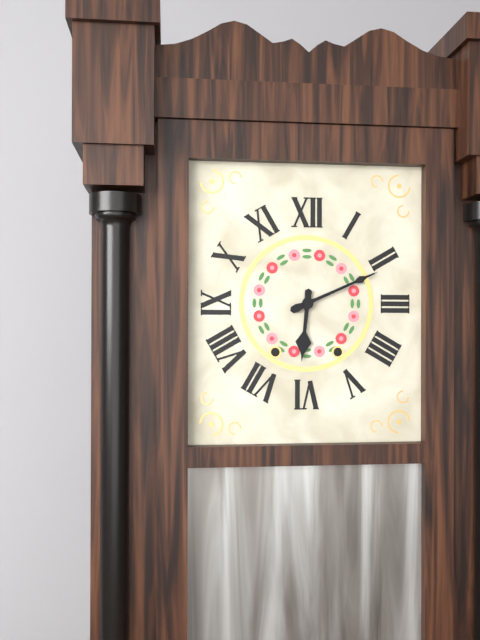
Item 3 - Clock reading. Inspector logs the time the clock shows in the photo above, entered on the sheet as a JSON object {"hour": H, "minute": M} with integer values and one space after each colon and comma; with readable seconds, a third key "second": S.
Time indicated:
{"hour": 6, "minute": 11}
